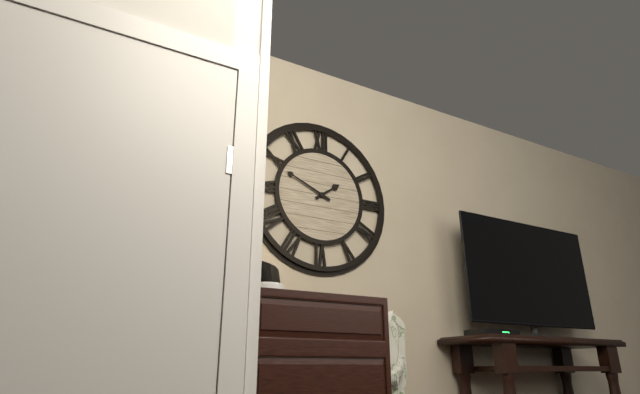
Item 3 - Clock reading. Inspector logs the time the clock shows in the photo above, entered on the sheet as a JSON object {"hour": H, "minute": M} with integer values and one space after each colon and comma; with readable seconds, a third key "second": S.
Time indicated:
{"hour": 1, "minute": 49}
